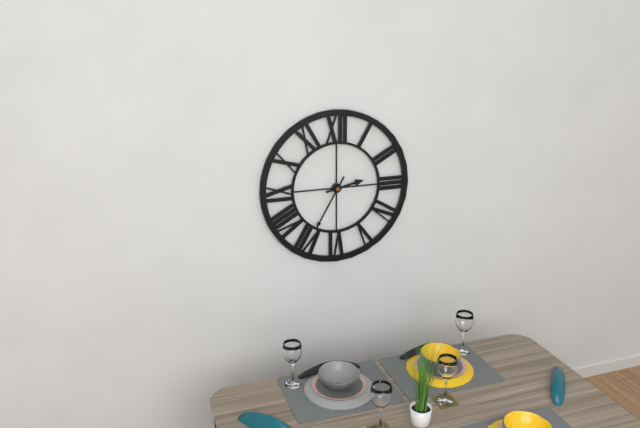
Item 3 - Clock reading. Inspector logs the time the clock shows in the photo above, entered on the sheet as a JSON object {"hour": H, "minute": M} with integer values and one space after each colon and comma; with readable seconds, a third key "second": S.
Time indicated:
{"hour": 2, "minute": 35}
